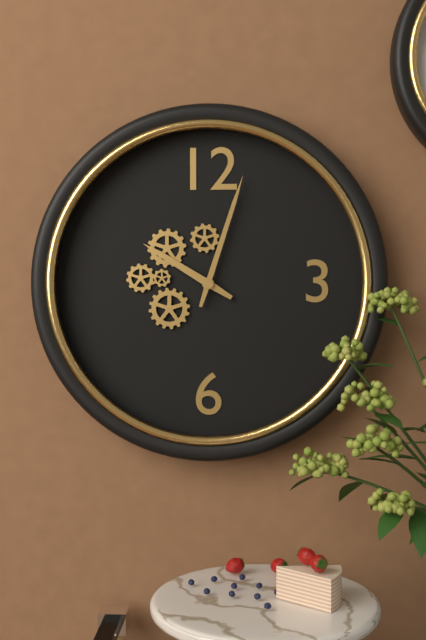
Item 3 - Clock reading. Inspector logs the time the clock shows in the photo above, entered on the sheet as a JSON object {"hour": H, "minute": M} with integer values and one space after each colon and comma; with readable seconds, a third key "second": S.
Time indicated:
{"hour": 10, "minute": 3}
